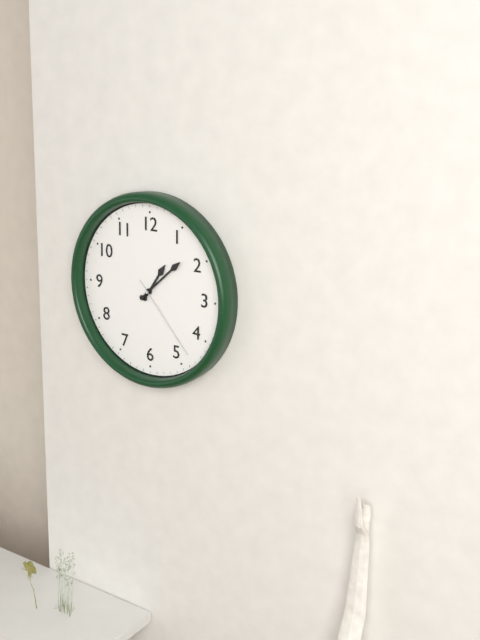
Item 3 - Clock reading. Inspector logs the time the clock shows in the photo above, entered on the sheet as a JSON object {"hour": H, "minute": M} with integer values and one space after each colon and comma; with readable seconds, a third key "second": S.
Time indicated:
{"hour": 1, "minute": 8, "second": 23}
